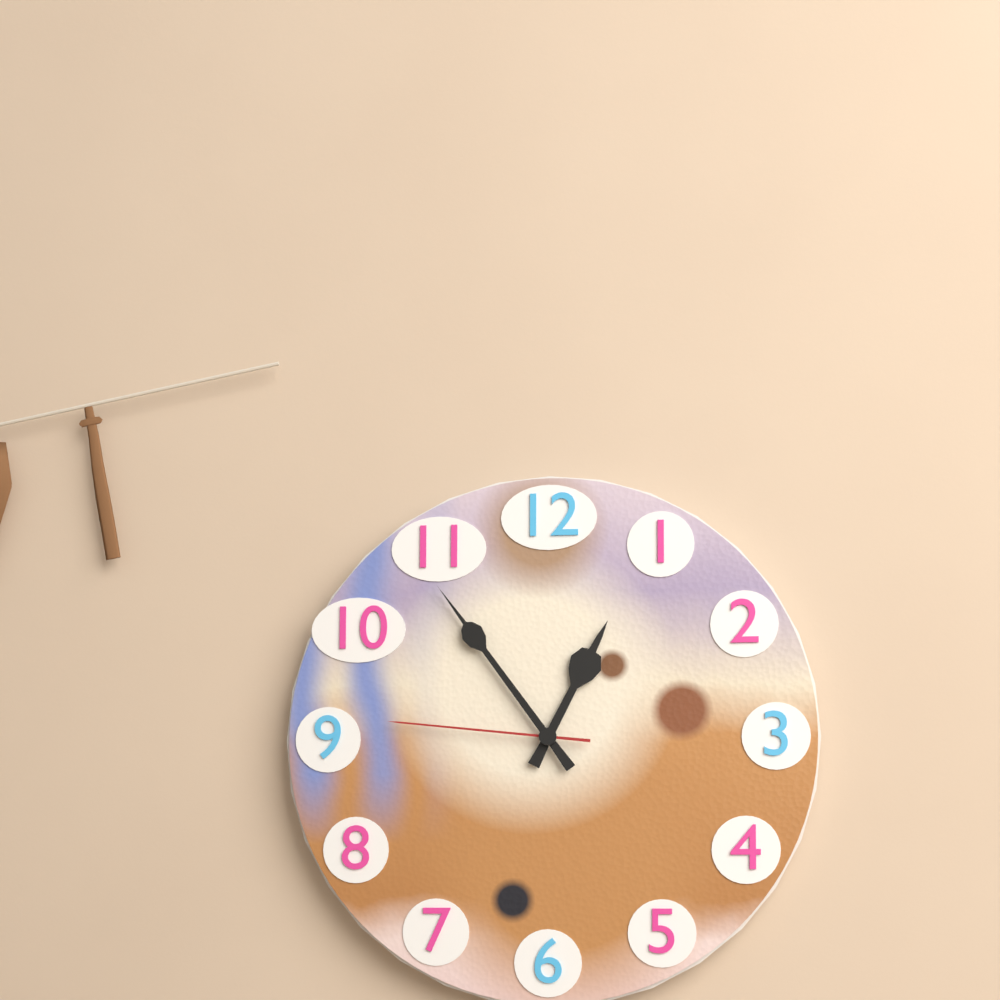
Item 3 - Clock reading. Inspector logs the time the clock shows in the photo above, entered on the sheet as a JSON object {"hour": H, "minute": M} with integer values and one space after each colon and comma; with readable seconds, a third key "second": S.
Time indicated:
{"hour": 12, "minute": 54, "second": 46}
